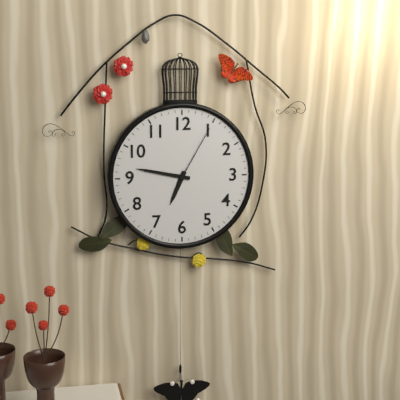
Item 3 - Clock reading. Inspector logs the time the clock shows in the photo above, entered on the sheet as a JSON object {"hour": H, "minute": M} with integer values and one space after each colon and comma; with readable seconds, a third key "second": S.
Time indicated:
{"hour": 6, "minute": 47, "second": 5}
